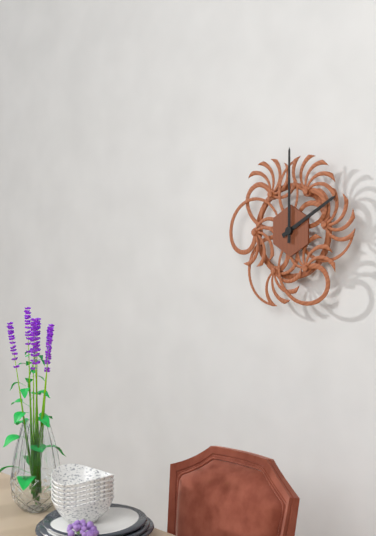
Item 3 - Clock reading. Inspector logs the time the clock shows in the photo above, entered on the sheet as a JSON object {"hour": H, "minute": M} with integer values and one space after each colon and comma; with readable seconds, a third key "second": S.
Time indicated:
{"hour": 2, "minute": 0}
